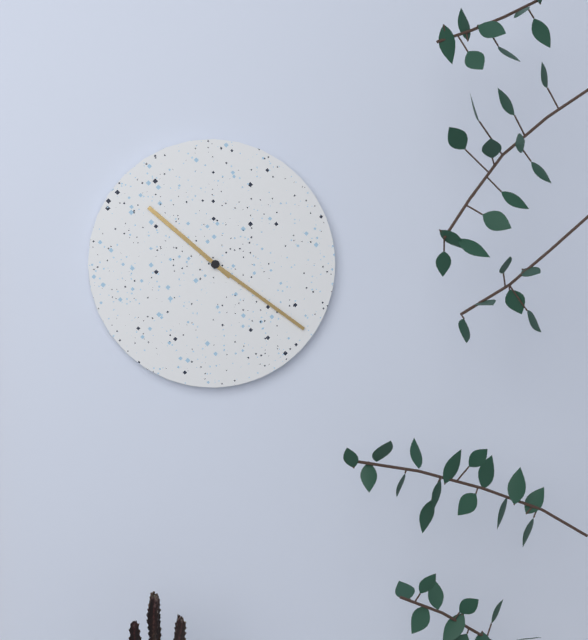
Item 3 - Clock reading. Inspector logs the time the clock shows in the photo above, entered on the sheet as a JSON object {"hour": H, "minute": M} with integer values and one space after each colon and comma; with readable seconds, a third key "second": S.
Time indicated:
{"hour": 10, "minute": 21}
